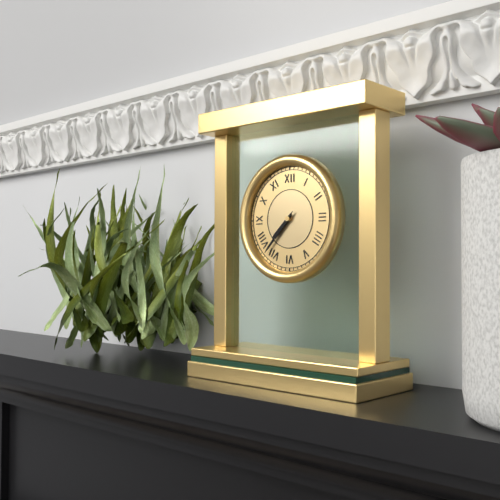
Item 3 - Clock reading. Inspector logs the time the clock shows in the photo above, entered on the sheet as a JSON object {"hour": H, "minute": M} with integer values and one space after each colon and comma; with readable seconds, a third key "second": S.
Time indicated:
{"hour": 7, "minute": 37}
